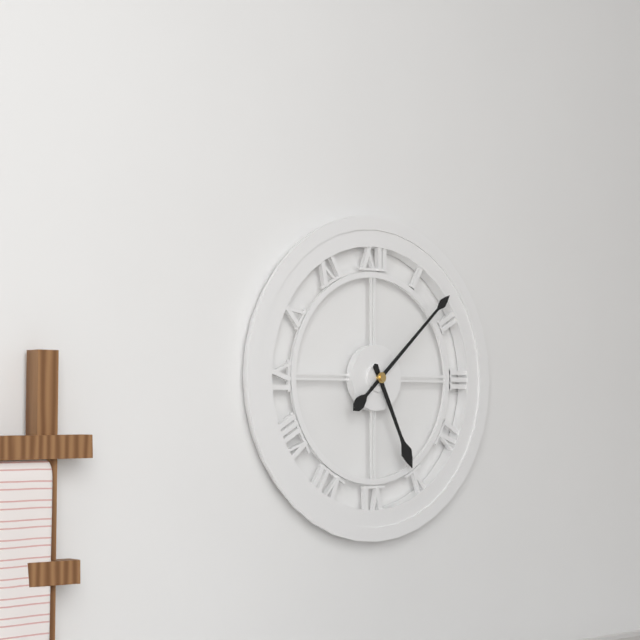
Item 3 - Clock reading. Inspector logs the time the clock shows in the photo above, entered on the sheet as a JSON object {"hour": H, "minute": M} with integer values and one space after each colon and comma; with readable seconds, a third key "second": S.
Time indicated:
{"hour": 5, "minute": 8}
